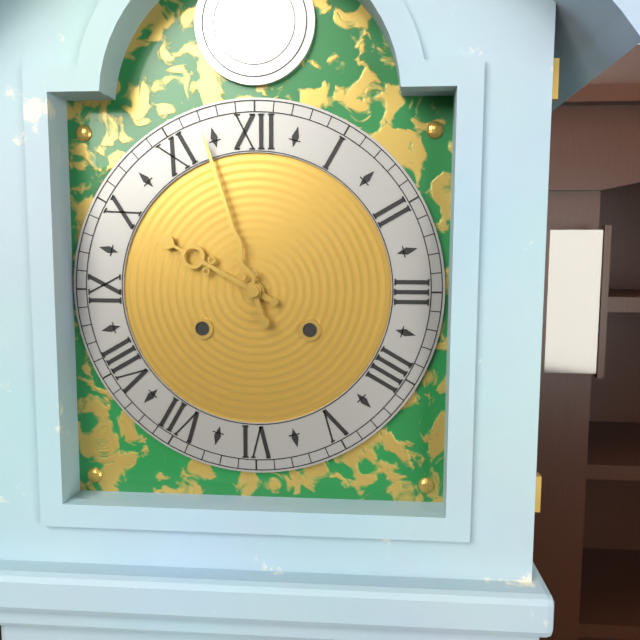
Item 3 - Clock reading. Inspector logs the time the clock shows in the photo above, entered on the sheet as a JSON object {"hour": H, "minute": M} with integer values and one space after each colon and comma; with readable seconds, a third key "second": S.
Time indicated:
{"hour": 9, "minute": 57}
